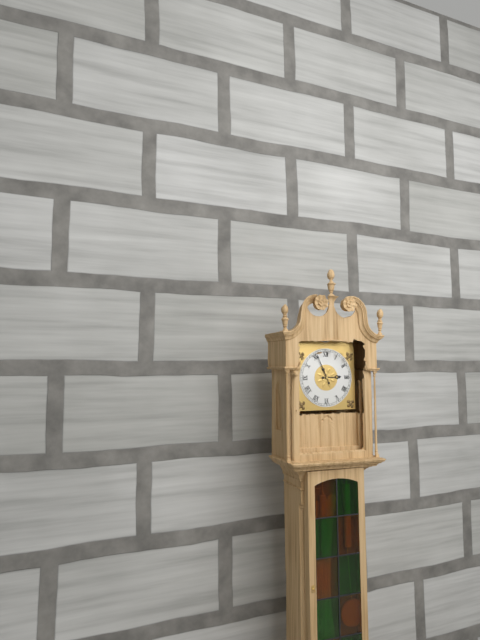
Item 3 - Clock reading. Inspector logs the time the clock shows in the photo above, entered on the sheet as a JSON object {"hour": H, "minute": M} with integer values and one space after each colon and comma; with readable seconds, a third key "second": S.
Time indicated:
{"hour": 2, "minute": 56}
